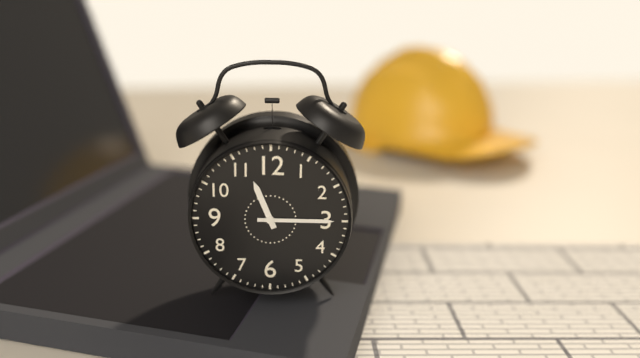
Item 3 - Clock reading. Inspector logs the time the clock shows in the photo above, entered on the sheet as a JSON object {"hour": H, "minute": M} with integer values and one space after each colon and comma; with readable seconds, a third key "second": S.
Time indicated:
{"hour": 11, "minute": 15}
